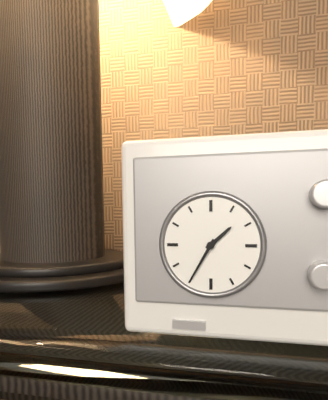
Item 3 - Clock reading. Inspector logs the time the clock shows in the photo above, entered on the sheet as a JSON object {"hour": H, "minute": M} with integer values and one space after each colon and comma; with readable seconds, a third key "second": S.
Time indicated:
{"hour": 1, "minute": 35}
